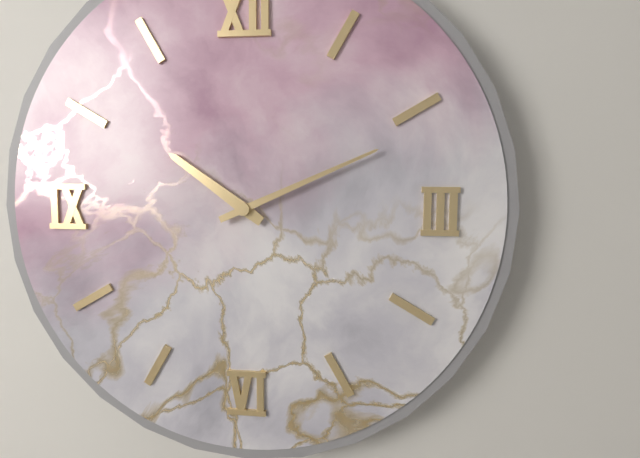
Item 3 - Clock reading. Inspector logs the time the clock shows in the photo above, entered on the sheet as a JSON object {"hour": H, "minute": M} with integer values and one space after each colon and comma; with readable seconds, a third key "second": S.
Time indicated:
{"hour": 10, "minute": 11}
